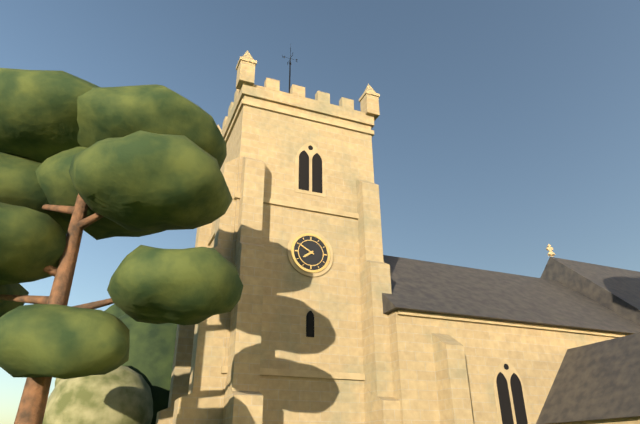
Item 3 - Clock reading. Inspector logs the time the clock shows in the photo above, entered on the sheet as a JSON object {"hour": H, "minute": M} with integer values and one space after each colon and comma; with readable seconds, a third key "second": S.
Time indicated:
{"hour": 7, "minute": 50}
